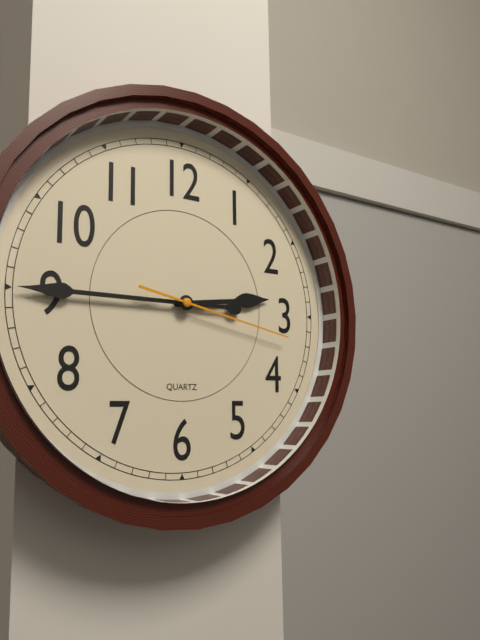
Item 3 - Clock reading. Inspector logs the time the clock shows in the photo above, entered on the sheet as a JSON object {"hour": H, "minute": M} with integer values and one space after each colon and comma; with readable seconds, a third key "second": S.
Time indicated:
{"hour": 2, "minute": 45, "second": 17}
